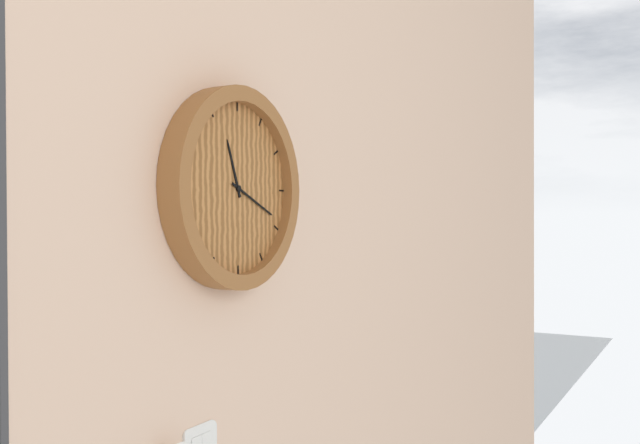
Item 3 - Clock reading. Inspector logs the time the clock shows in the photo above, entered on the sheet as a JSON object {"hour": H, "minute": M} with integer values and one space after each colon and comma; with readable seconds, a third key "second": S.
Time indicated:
{"hour": 11, "minute": 19}
